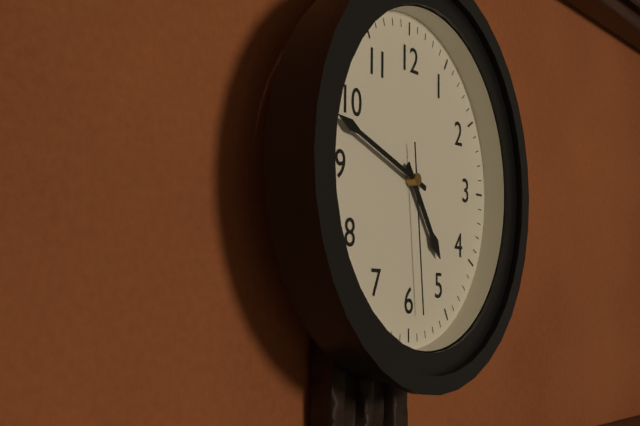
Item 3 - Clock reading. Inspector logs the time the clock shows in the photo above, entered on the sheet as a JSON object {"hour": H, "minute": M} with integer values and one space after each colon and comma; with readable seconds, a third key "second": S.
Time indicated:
{"hour": 4, "minute": 48, "second": 29}
